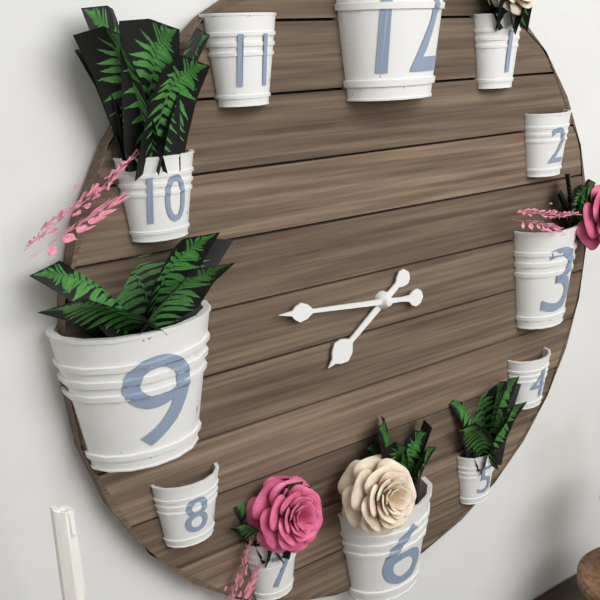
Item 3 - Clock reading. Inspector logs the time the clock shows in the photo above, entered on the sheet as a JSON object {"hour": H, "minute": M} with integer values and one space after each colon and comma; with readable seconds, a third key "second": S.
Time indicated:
{"hour": 7, "minute": 46}
